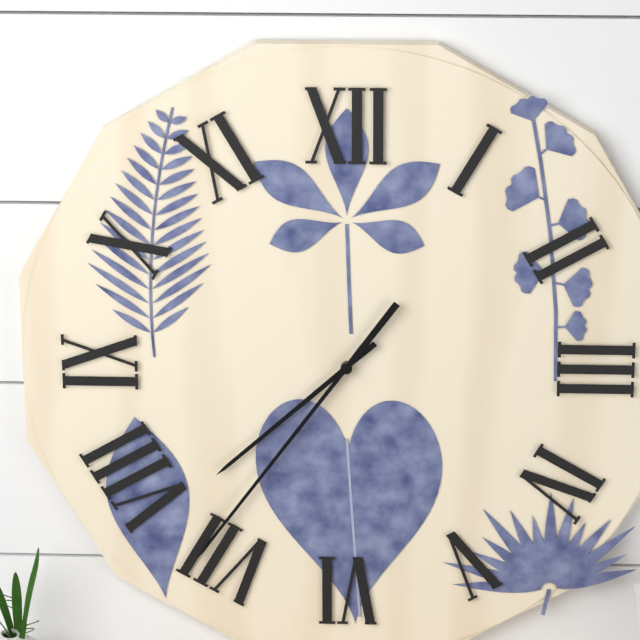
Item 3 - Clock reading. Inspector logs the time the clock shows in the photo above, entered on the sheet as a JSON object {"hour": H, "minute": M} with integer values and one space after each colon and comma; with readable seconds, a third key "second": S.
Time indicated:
{"hour": 7, "minute": 36}
